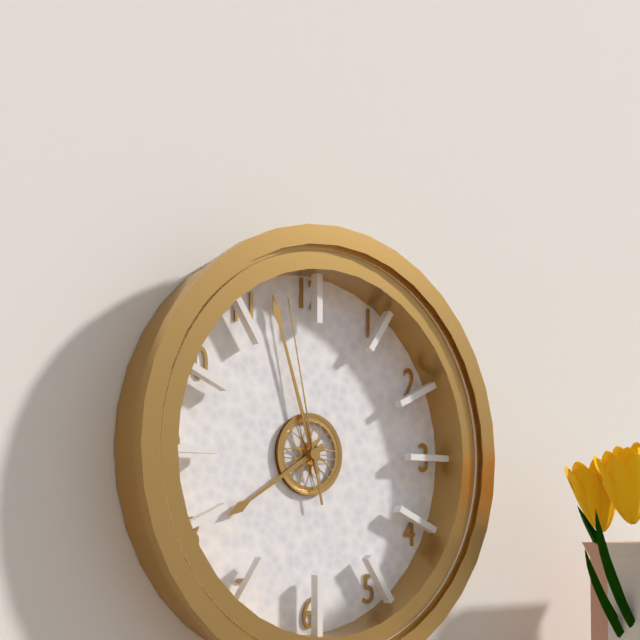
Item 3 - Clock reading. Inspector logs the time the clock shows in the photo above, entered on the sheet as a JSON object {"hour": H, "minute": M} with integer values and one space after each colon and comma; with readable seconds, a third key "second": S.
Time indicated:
{"hour": 7, "minute": 57, "second": 58}
